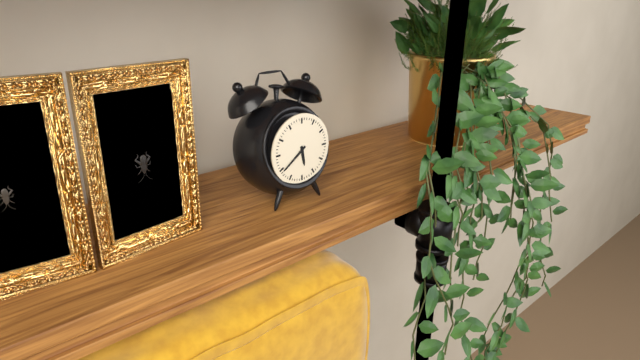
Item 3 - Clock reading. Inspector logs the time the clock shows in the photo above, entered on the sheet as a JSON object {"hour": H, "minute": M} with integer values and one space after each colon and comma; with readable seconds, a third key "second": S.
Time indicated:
{"hour": 5, "minute": 39}
